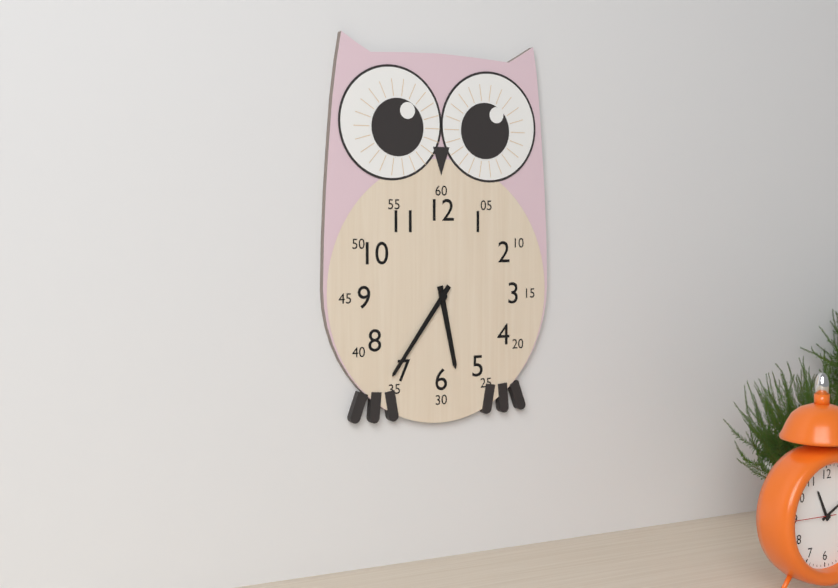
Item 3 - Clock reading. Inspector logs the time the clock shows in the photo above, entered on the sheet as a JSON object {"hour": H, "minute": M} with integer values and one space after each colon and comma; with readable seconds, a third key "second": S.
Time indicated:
{"hour": 5, "minute": 36}
